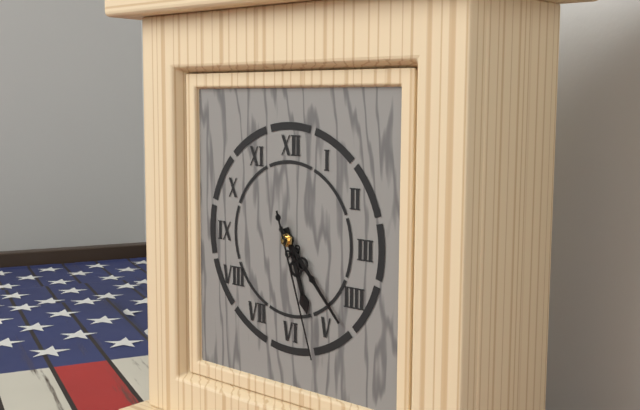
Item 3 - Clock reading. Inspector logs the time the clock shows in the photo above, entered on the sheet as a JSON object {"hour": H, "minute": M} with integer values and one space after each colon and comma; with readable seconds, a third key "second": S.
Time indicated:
{"hour": 5, "minute": 23, "second": 27}
